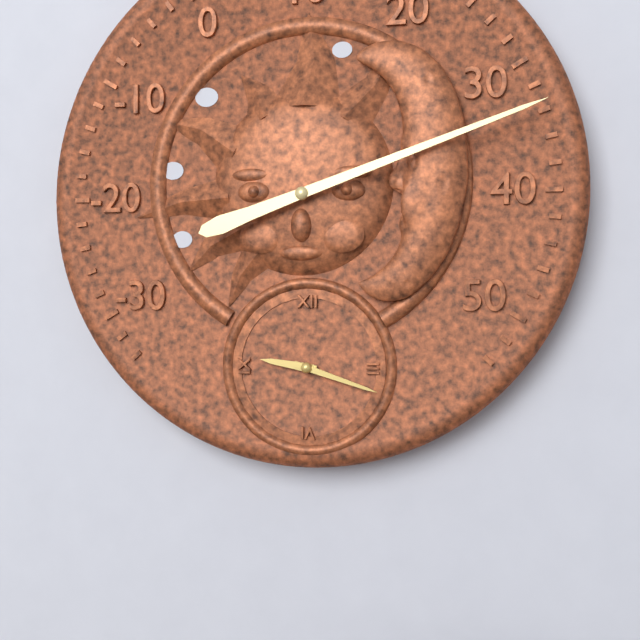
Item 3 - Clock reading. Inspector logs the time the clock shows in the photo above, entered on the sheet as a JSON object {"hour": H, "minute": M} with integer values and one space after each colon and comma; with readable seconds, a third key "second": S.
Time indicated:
{"hour": 9, "minute": 18}
